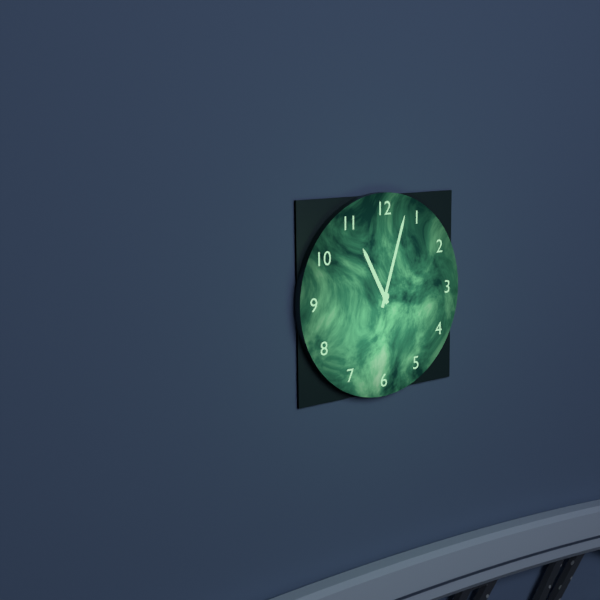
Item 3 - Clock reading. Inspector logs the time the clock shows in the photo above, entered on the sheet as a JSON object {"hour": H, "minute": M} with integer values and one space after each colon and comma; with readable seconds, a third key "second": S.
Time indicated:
{"hour": 11, "minute": 3}
